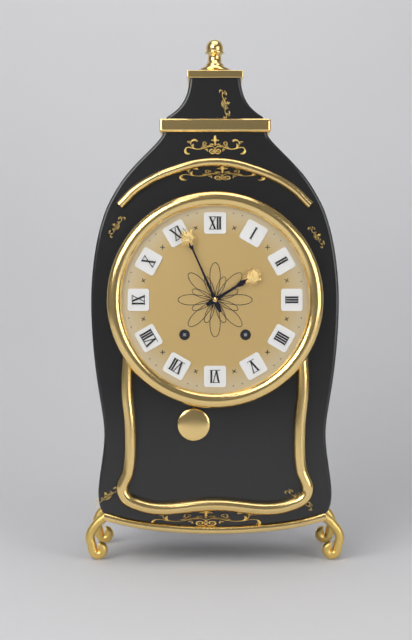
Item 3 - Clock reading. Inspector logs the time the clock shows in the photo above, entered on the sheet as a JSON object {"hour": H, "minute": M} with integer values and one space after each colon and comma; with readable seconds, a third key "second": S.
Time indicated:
{"hour": 1, "minute": 56}
